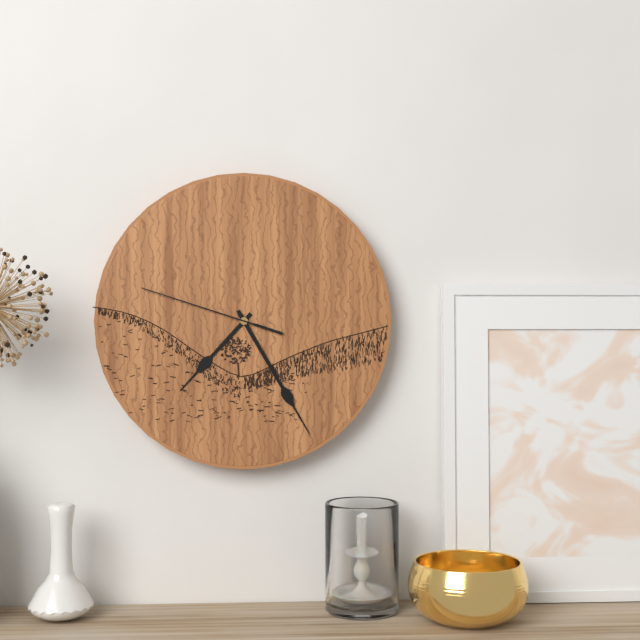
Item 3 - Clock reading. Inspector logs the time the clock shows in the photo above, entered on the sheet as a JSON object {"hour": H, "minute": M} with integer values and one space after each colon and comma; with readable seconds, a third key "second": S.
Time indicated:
{"hour": 7, "minute": 25, "second": 48}
